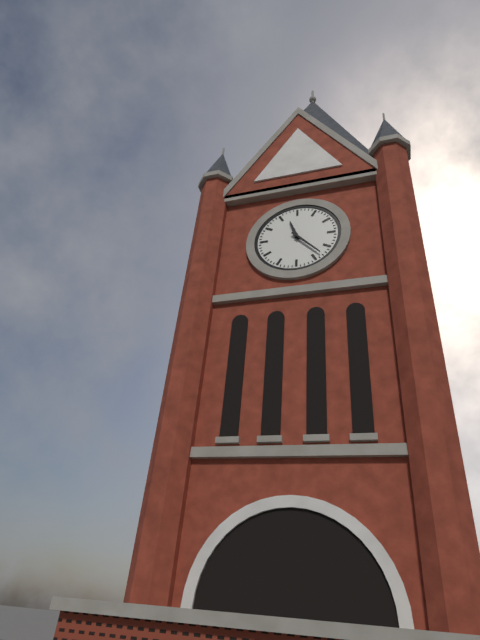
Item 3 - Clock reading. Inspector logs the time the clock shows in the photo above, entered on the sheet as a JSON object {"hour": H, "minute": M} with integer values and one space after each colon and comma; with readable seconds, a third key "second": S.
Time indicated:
{"hour": 11, "minute": 23}
